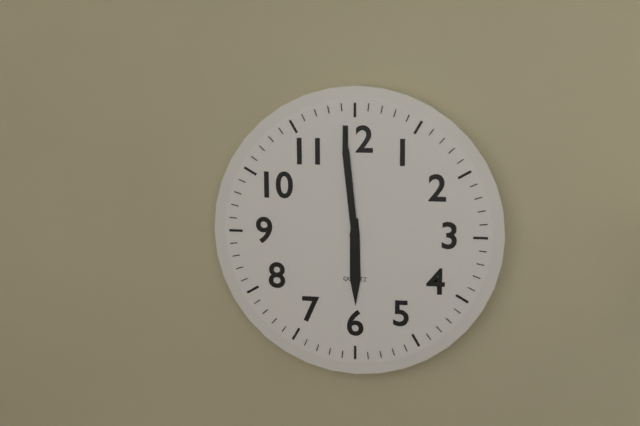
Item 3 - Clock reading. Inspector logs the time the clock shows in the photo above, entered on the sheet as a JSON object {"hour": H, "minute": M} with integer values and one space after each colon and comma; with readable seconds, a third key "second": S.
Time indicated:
{"hour": 5, "minute": 59}
